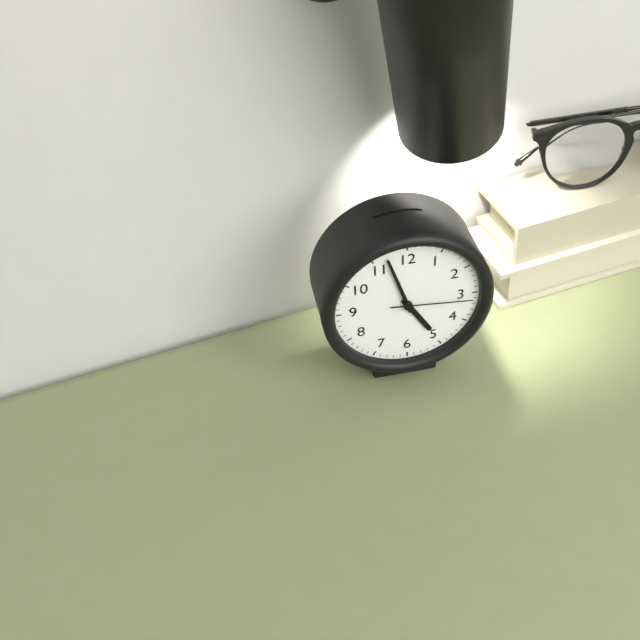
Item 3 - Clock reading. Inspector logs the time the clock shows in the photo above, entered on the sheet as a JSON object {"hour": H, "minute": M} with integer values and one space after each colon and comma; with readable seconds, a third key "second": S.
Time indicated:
{"hour": 4, "minute": 57, "second": 16}
